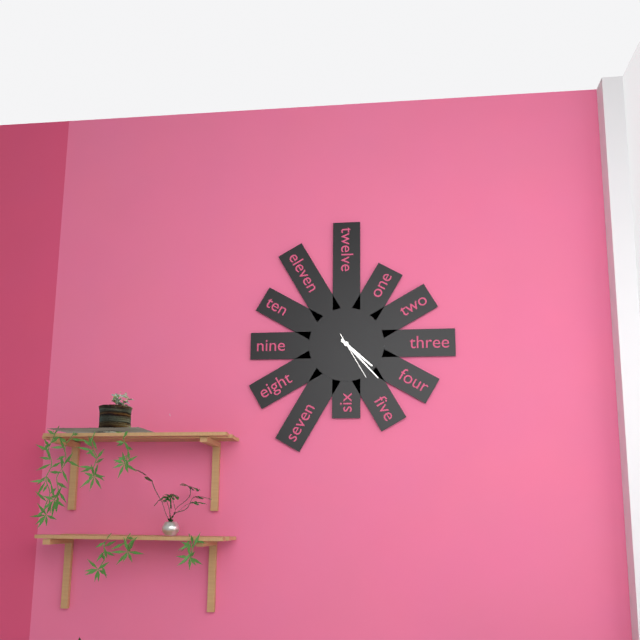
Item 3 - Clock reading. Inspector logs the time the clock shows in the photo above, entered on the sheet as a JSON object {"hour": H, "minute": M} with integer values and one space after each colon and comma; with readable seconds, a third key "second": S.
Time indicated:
{"hour": 4, "minute": 23}
